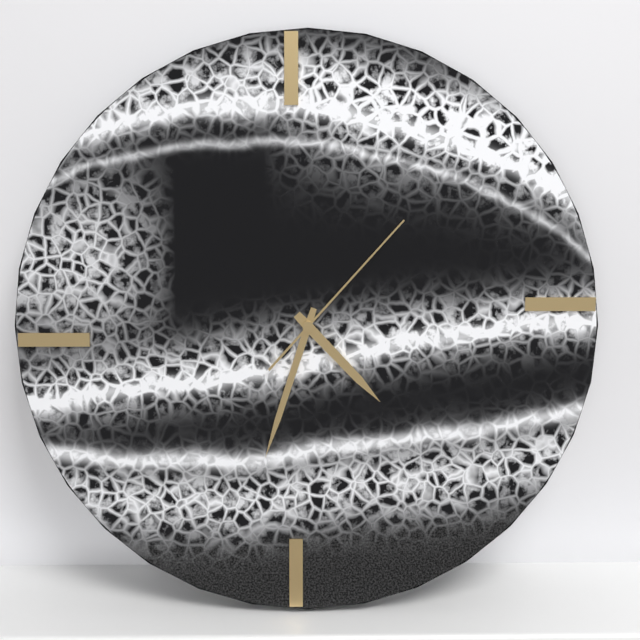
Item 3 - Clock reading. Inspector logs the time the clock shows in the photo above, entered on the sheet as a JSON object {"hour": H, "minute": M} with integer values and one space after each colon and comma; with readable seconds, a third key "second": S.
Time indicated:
{"hour": 4, "minute": 33, "second": 7}
